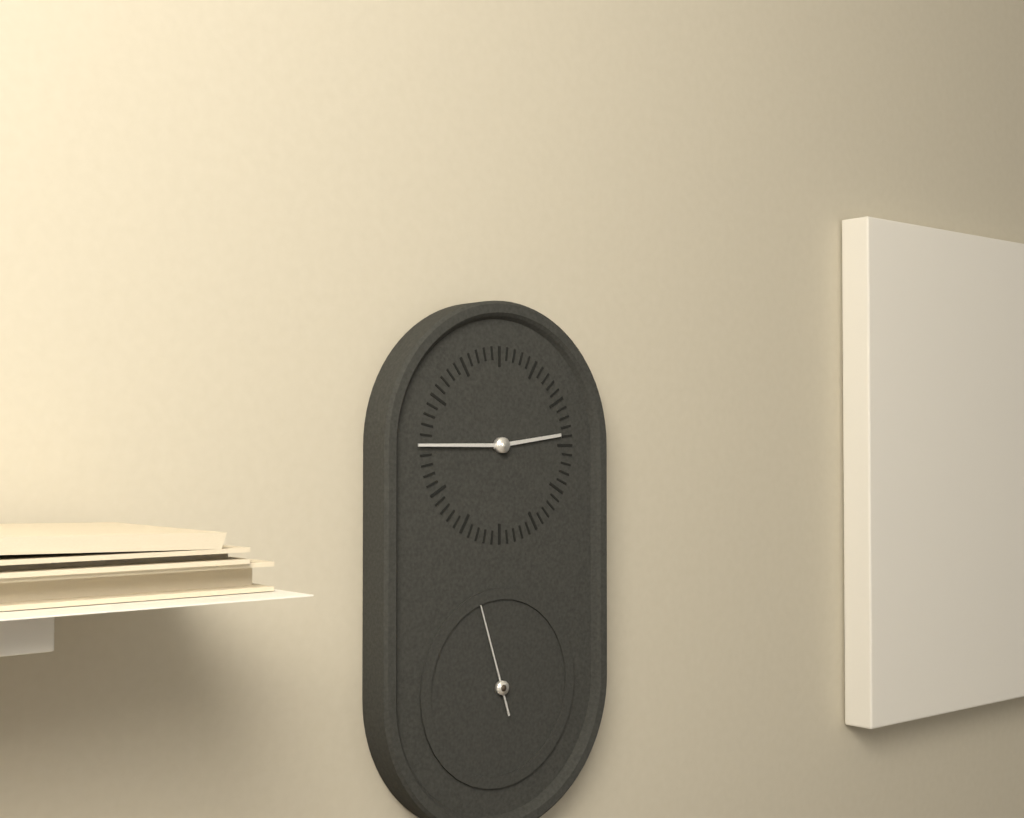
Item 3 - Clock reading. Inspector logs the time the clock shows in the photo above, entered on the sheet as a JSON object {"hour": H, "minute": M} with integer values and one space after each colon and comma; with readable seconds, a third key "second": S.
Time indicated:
{"hour": 2, "minute": 45, "second": 57}
